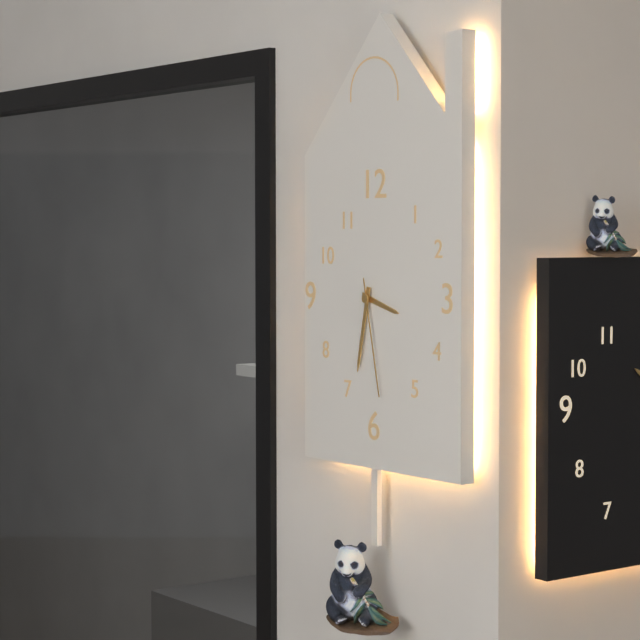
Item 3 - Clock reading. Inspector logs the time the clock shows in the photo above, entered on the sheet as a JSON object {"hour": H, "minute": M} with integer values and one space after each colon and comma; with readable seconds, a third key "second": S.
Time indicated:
{"hour": 3, "minute": 32, "second": 28}
